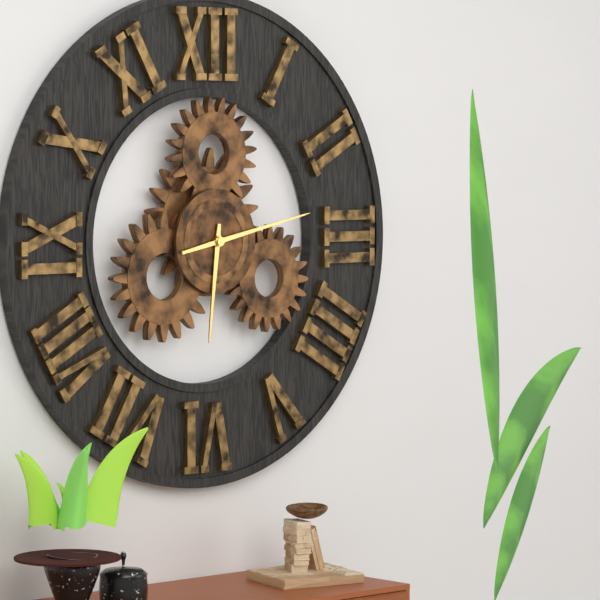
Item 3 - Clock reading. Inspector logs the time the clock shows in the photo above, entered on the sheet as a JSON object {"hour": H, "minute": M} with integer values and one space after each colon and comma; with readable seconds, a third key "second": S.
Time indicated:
{"hour": 6, "minute": 13}
